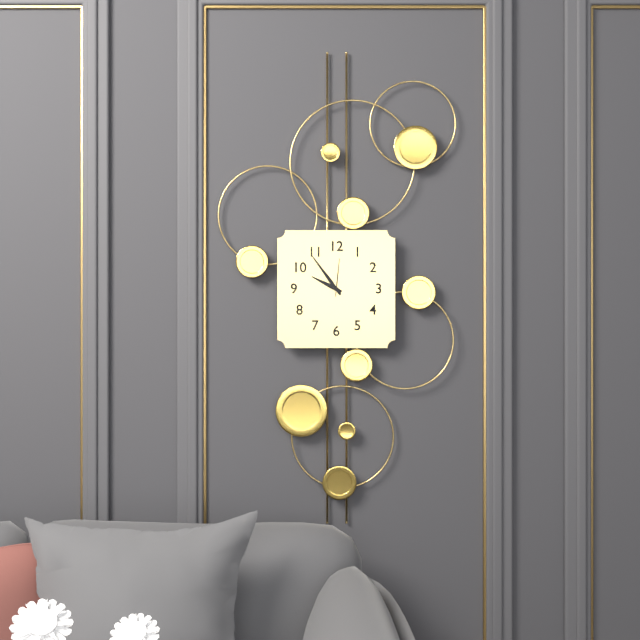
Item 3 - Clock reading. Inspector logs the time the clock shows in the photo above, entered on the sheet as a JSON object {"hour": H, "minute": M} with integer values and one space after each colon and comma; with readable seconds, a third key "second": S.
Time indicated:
{"hour": 9, "minute": 54}
